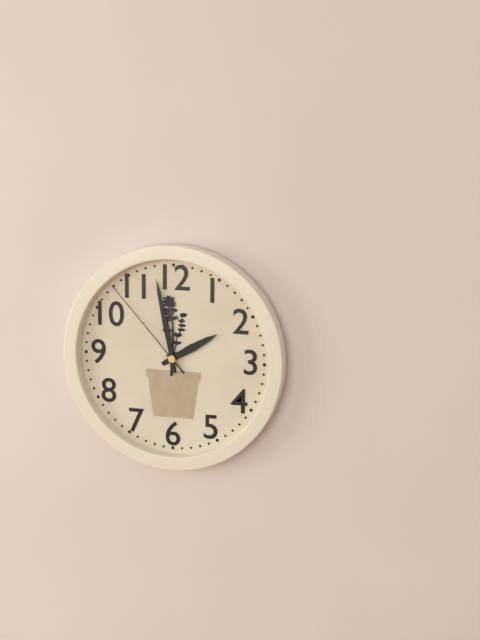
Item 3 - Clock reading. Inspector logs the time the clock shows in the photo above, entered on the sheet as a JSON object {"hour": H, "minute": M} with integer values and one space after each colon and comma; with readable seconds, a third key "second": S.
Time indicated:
{"hour": 1, "minute": 58, "second": 53}
